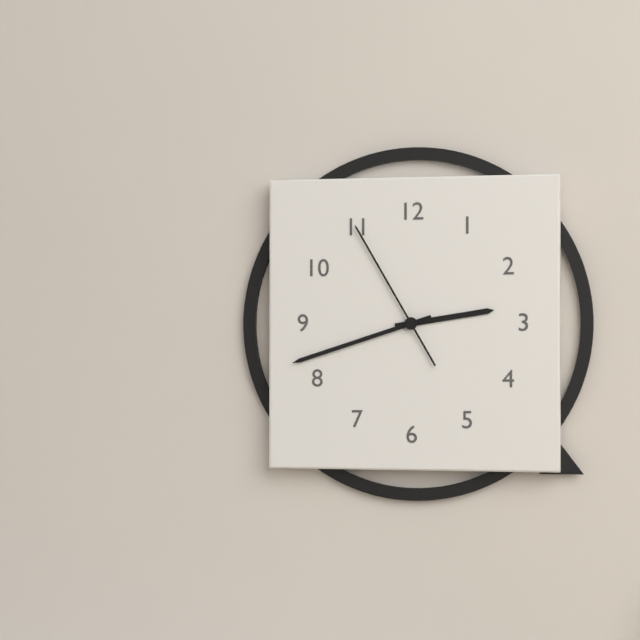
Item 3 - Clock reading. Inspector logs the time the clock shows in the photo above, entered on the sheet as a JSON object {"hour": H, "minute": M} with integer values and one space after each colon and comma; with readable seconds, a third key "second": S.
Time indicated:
{"hour": 2, "minute": 42, "second": 55}
